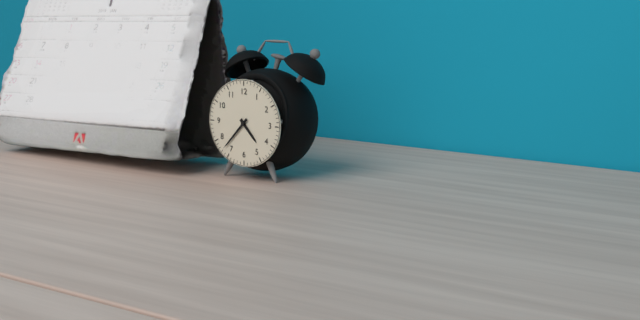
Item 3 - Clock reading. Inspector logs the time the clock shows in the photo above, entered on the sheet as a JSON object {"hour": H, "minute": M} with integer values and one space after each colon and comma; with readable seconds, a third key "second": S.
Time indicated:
{"hour": 4, "minute": 37}
